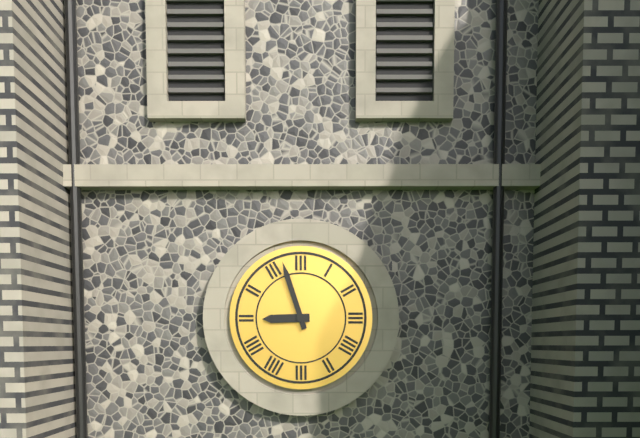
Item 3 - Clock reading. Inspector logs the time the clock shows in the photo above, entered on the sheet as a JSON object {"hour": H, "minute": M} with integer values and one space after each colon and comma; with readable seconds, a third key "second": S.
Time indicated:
{"hour": 8, "minute": 57}
